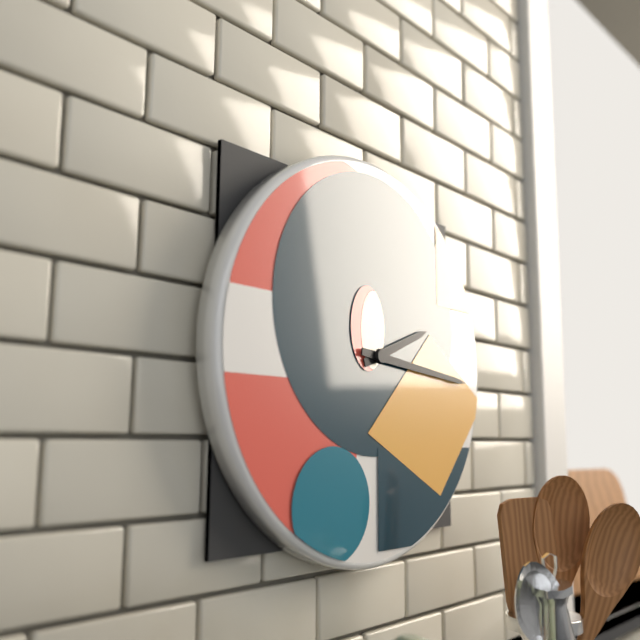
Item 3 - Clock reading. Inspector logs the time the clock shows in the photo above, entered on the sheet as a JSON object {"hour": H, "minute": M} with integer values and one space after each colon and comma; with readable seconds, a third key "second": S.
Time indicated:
{"hour": 2, "minute": 16}
